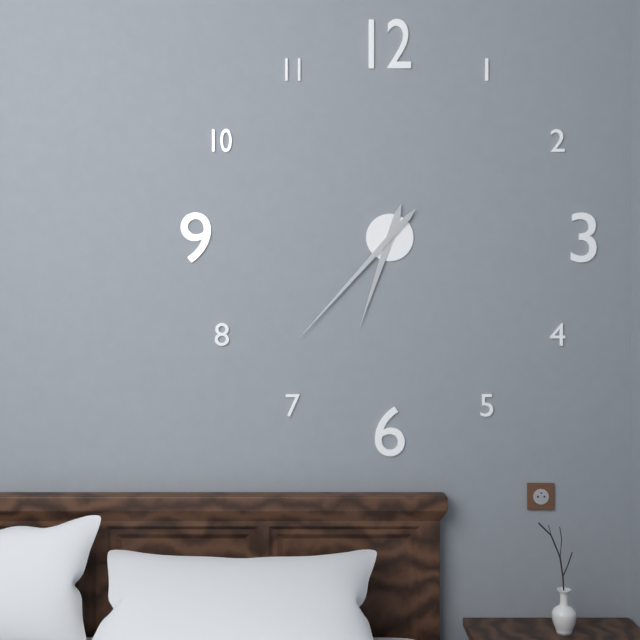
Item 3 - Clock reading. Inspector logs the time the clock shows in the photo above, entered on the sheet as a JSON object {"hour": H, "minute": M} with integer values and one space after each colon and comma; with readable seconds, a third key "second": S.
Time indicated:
{"hour": 6, "minute": 37}
